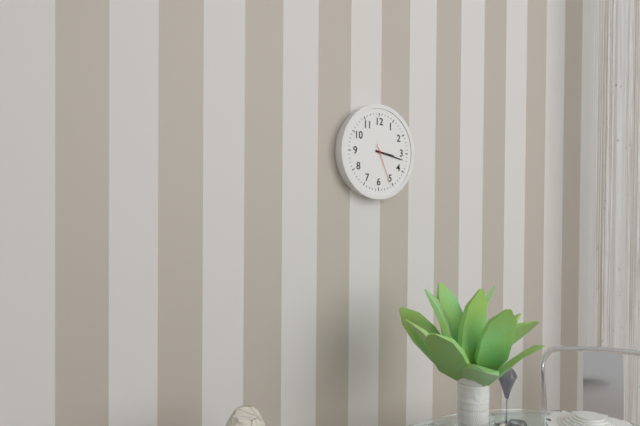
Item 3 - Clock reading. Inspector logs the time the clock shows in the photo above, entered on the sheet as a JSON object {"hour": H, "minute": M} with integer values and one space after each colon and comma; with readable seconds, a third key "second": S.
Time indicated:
{"hour": 3, "minute": 17}
